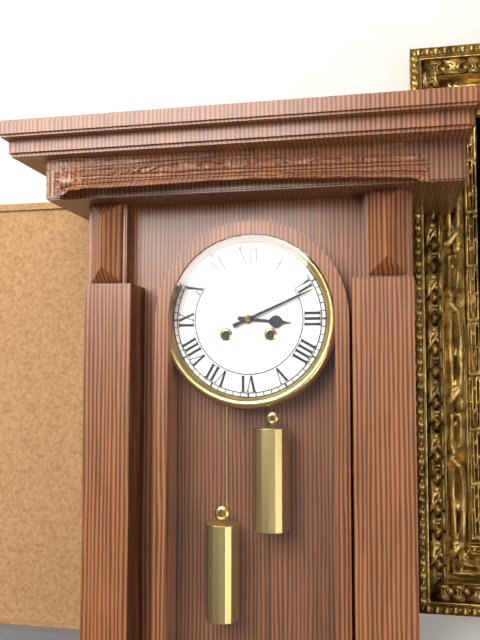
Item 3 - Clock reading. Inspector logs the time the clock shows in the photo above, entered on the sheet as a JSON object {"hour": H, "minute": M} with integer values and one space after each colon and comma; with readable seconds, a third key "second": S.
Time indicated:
{"hour": 3, "minute": 11}
